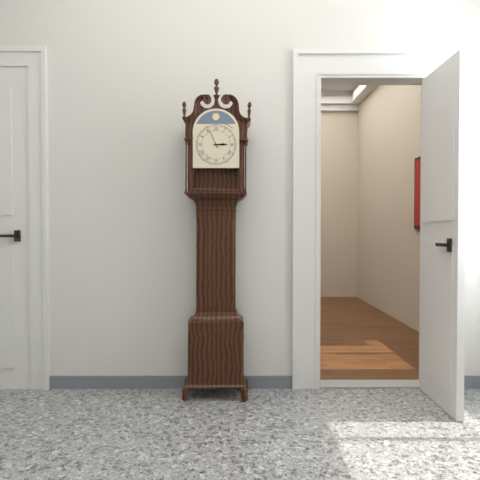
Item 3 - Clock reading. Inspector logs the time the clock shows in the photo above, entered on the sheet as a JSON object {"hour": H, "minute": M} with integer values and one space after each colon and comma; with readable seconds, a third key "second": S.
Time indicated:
{"hour": 2, "minute": 56}
